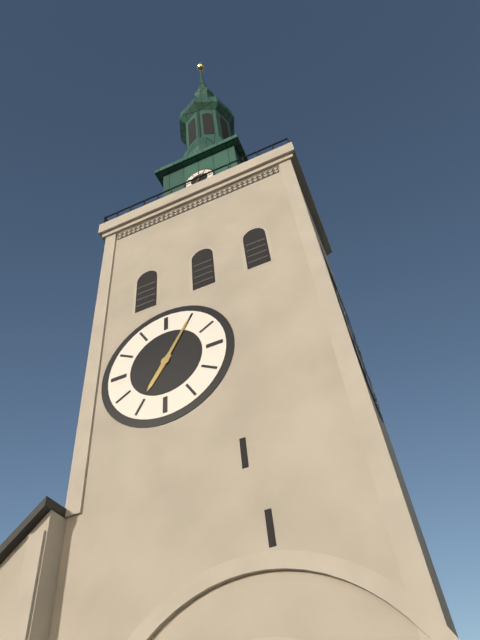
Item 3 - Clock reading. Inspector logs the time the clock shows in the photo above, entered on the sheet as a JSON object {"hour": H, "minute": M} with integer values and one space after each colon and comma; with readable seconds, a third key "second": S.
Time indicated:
{"hour": 7, "minute": 5}
